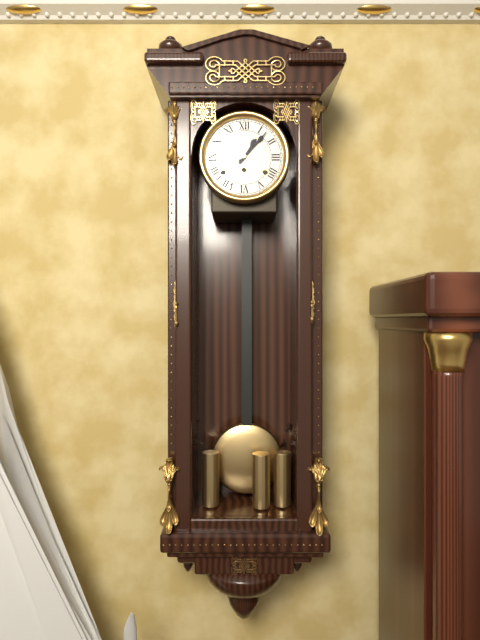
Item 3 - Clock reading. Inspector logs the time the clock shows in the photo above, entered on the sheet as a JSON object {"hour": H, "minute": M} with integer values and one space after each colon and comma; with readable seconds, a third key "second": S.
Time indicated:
{"hour": 1, "minute": 7}
